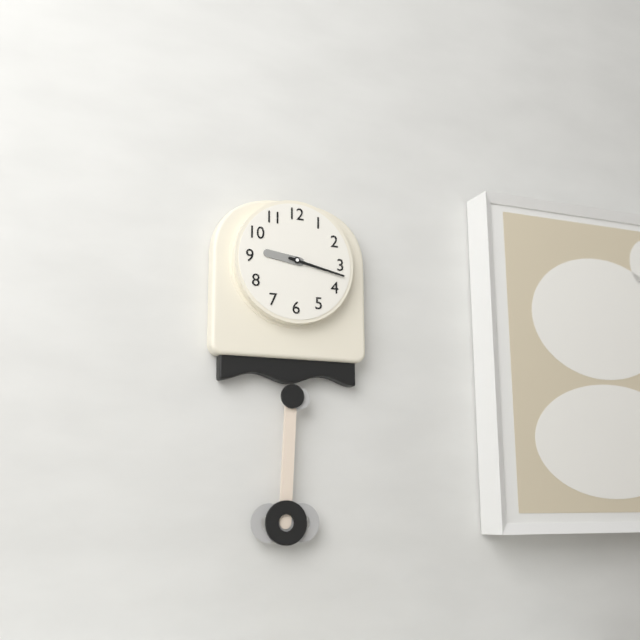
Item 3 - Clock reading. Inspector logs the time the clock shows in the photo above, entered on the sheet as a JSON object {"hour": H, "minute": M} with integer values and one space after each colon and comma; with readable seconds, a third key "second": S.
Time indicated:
{"hour": 9, "minute": 17}
